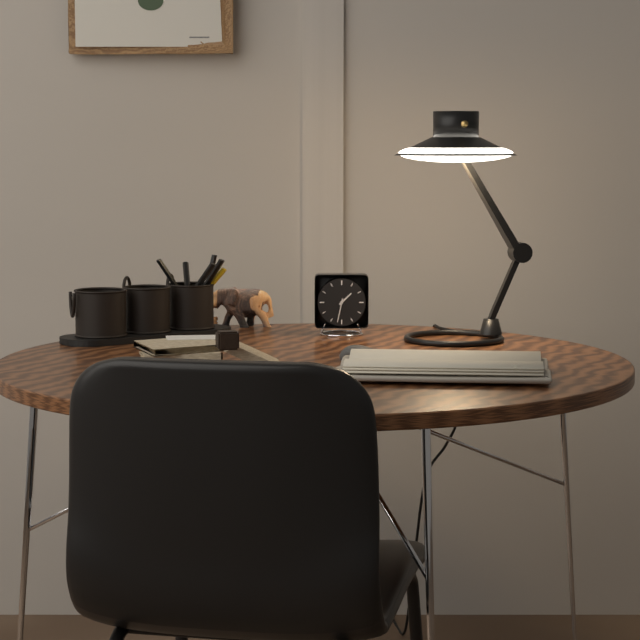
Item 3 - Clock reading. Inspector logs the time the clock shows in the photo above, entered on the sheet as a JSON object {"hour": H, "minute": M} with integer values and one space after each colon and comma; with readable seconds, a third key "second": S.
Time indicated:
{"hour": 1, "minute": 32}
